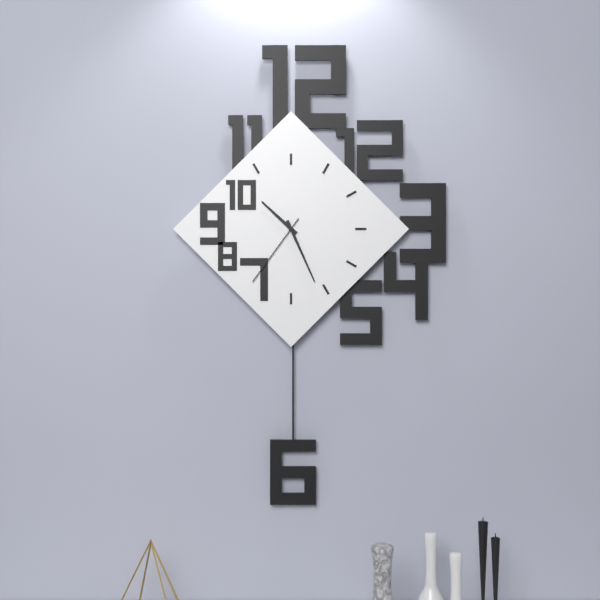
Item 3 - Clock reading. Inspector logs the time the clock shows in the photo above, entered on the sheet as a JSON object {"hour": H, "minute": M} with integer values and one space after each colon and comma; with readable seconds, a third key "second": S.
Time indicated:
{"hour": 10, "minute": 26, "second": 36}
